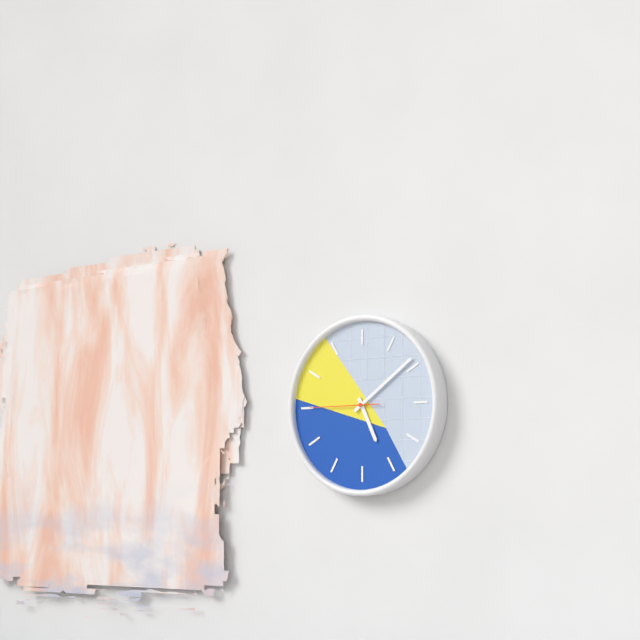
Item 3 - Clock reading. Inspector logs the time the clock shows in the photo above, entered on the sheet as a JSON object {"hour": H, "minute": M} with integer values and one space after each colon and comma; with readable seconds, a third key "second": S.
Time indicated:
{"hour": 5, "minute": 9, "second": 45}
